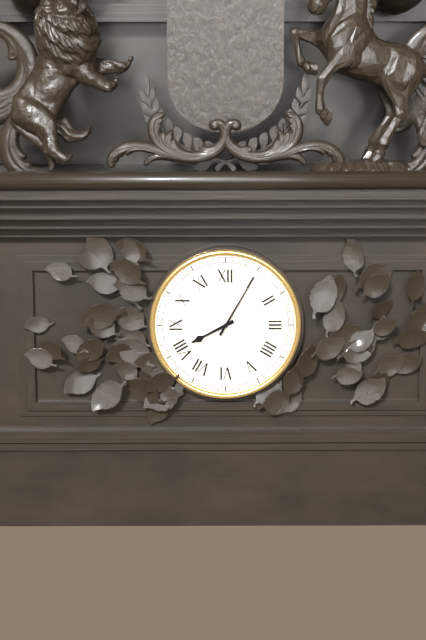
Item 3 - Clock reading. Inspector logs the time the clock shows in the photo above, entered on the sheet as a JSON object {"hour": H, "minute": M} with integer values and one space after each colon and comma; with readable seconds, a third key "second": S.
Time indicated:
{"hour": 8, "minute": 5}
